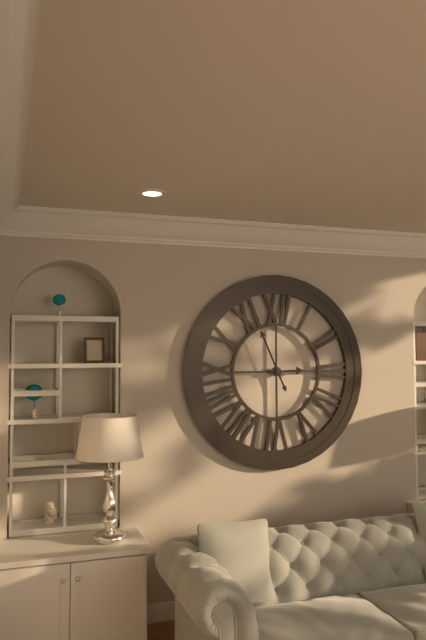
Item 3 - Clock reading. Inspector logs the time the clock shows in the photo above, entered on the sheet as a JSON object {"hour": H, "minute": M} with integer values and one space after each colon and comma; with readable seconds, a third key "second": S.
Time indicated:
{"hour": 2, "minute": 56}
